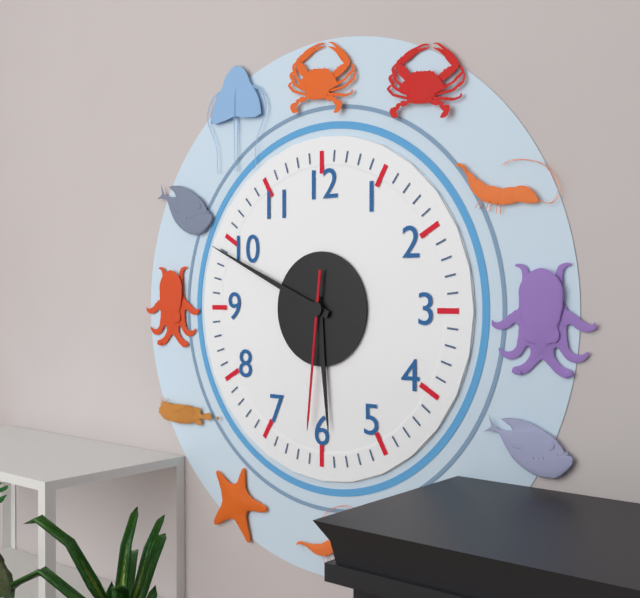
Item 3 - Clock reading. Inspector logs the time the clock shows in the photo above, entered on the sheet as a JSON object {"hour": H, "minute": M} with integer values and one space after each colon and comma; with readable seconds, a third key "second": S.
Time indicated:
{"hour": 5, "minute": 49, "second": 31}
